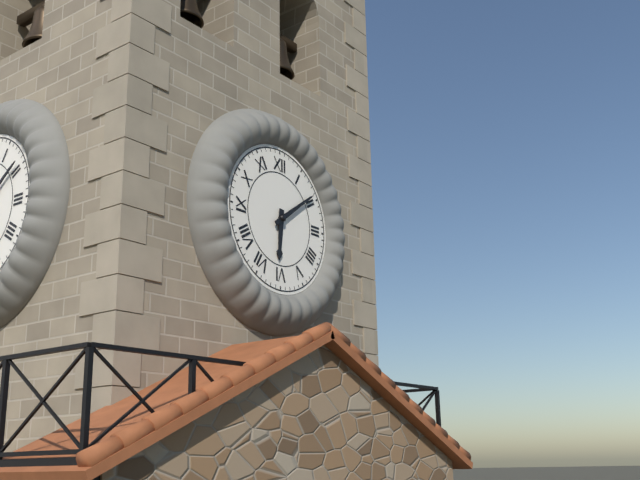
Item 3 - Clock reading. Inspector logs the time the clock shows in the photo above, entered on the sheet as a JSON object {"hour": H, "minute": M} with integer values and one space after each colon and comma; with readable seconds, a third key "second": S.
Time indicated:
{"hour": 6, "minute": 9}
